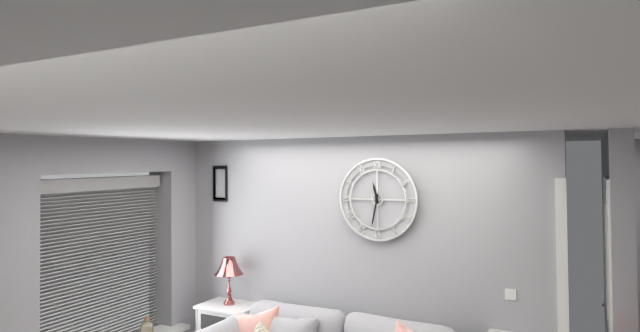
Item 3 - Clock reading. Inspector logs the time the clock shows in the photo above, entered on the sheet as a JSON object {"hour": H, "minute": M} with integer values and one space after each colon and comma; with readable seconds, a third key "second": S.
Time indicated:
{"hour": 11, "minute": 32}
